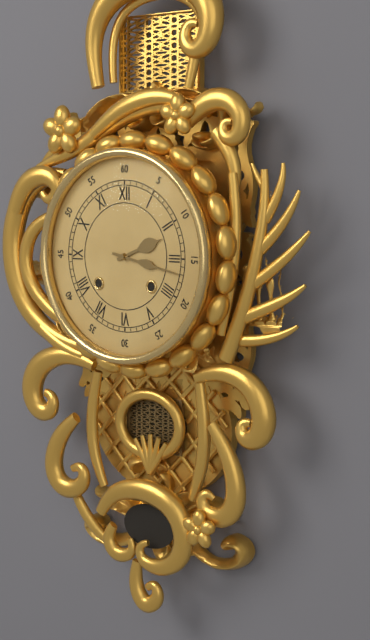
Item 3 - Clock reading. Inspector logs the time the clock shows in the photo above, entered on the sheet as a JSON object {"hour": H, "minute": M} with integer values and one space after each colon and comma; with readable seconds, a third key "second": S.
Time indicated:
{"hour": 2, "minute": 17}
